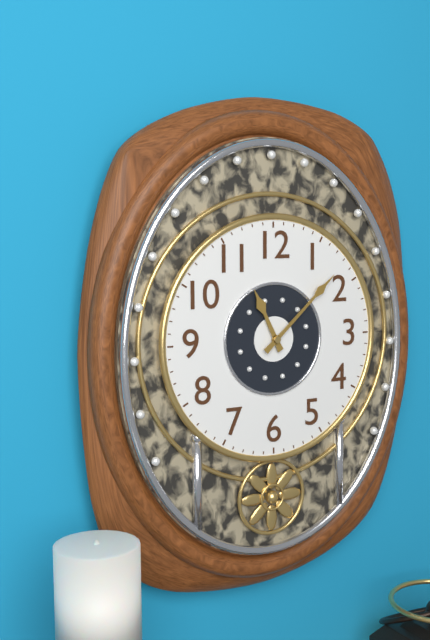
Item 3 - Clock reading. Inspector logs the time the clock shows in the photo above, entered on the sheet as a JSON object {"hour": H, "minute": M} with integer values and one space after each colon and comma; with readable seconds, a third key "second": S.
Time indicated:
{"hour": 11, "minute": 8}
